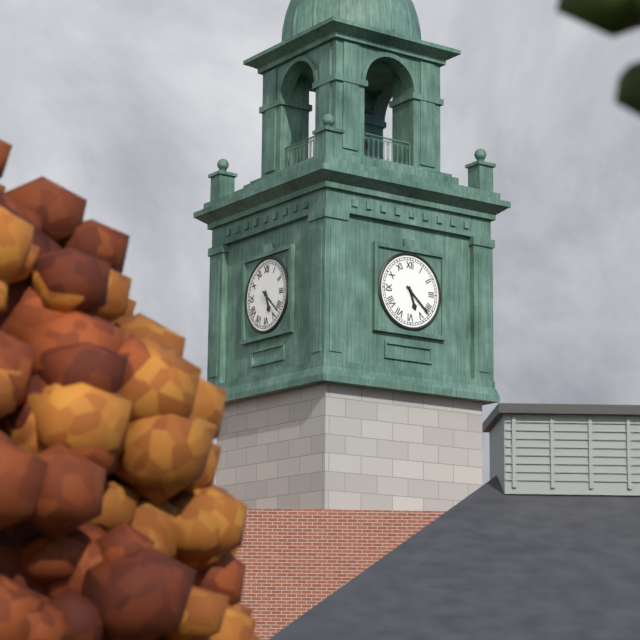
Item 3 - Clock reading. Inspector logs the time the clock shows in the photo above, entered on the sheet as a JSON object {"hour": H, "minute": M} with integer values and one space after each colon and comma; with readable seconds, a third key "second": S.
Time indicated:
{"hour": 5, "minute": 22}
